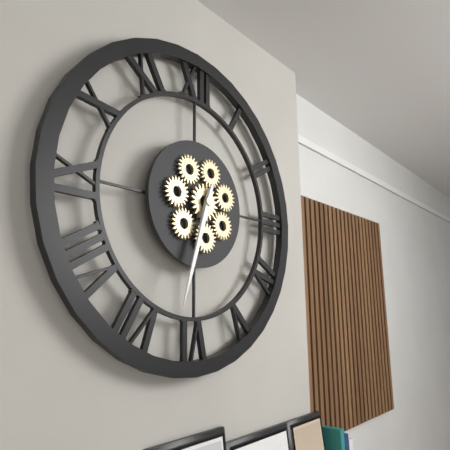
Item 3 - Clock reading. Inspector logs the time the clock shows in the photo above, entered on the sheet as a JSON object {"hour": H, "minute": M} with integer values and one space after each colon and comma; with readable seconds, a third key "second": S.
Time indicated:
{"hour": 6, "minute": 33}
